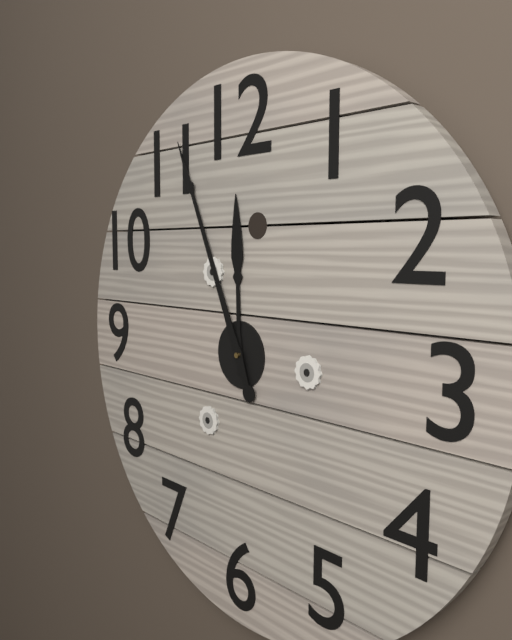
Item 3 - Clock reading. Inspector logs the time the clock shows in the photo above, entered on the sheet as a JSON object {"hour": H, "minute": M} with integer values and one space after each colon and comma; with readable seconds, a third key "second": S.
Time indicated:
{"hour": 11, "minute": 56}
